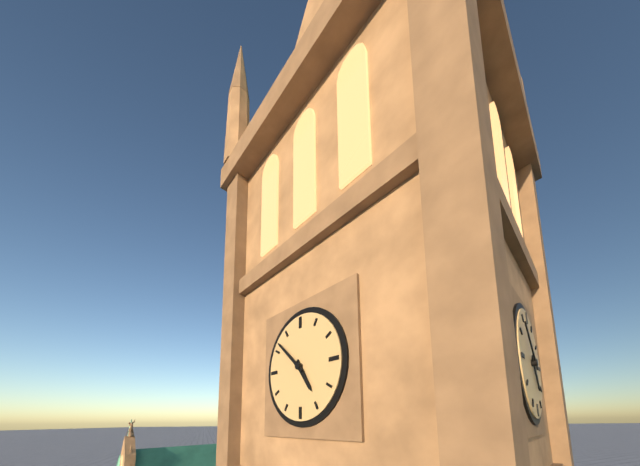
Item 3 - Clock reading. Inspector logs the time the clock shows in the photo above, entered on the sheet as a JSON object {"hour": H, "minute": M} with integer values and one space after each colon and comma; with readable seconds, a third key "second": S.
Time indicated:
{"hour": 4, "minute": 52}
